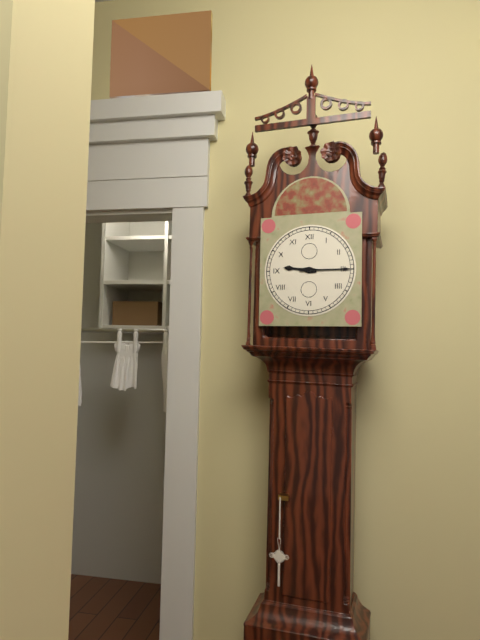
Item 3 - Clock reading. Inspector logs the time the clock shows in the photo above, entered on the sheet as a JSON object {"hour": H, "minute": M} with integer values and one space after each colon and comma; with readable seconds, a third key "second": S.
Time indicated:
{"hour": 9, "minute": 15}
